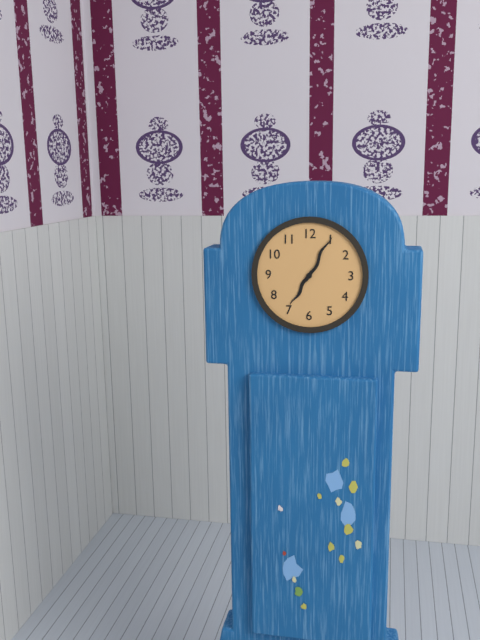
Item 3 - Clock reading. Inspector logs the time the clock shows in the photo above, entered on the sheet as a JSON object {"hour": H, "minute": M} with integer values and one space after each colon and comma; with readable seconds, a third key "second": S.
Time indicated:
{"hour": 7, "minute": 5}
